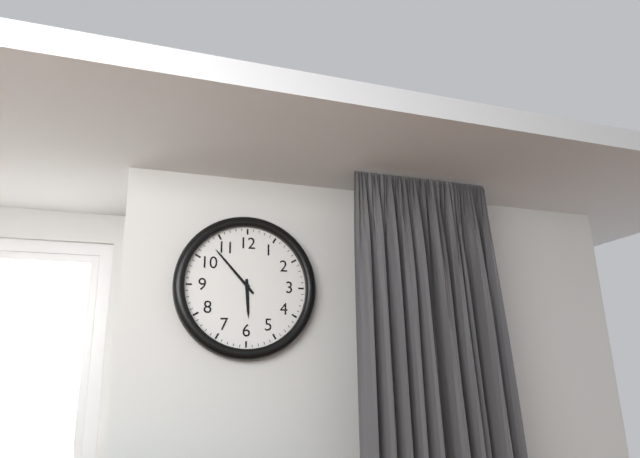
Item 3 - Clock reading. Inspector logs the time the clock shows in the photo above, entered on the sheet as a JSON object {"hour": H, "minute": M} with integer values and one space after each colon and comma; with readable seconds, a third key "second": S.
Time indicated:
{"hour": 5, "minute": 53}
